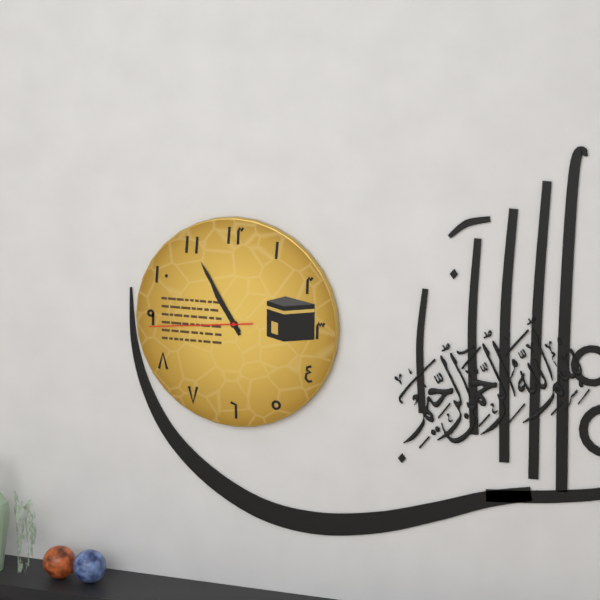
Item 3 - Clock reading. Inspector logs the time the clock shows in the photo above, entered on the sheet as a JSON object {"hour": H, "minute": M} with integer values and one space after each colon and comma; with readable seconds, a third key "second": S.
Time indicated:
{"hour": 10, "minute": 55, "second": 44}
